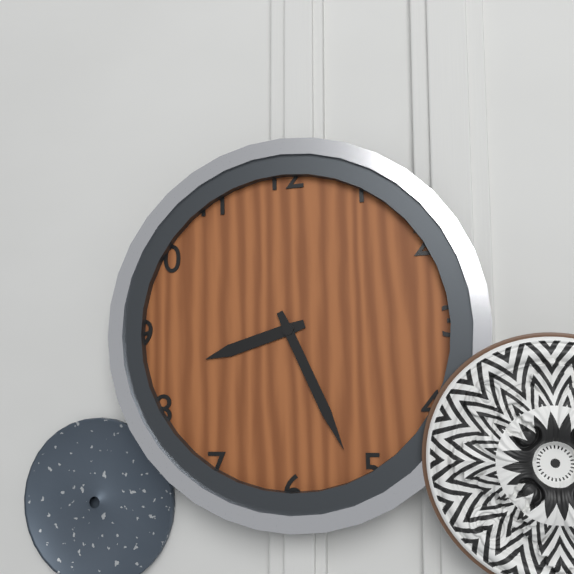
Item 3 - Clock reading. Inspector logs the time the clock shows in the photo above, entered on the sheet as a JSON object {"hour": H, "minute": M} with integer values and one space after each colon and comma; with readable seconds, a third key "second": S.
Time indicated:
{"hour": 8, "minute": 26}
